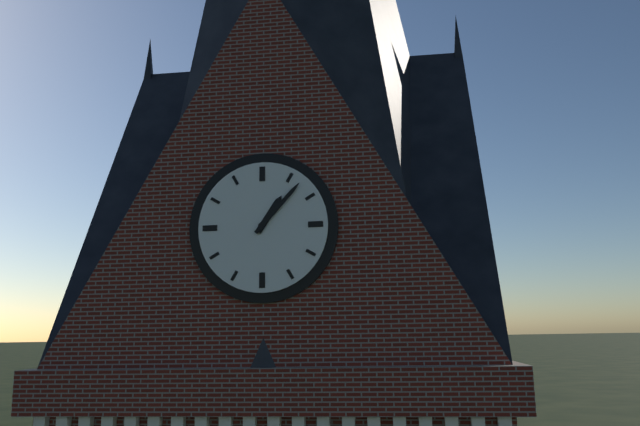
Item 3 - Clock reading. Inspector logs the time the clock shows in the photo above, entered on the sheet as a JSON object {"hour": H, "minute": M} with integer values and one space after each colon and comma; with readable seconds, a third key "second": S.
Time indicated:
{"hour": 1, "minute": 7}
